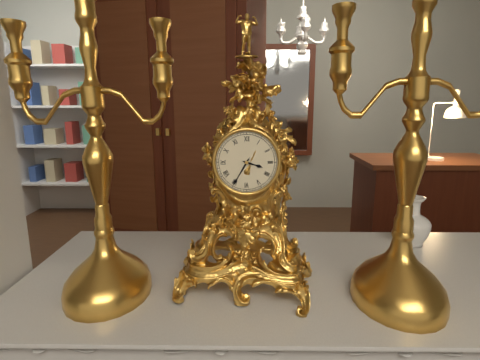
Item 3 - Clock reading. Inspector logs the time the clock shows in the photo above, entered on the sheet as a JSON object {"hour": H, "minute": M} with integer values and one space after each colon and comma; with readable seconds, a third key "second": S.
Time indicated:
{"hour": 3, "minute": 35}
